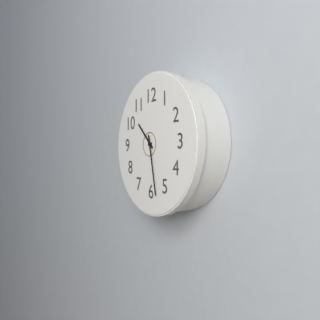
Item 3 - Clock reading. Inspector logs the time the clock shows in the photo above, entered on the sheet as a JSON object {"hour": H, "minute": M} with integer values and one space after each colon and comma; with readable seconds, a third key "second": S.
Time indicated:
{"hour": 10, "minute": 28}
